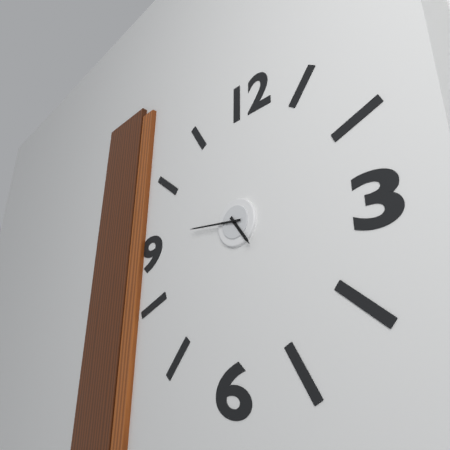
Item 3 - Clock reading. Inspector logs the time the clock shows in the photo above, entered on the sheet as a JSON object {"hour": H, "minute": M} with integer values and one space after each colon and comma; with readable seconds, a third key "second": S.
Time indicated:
{"hour": 4, "minute": 46}
